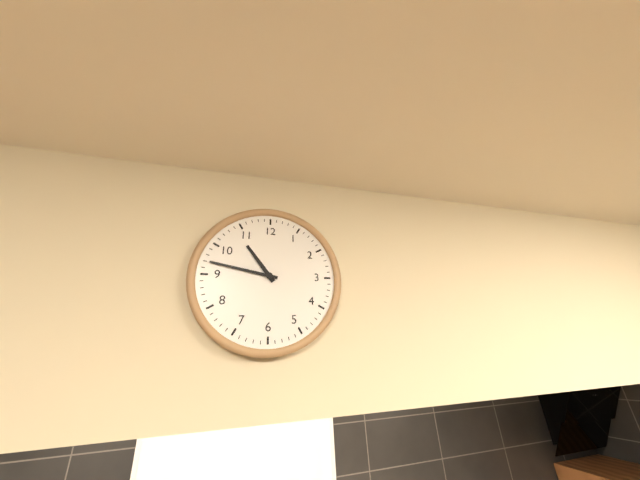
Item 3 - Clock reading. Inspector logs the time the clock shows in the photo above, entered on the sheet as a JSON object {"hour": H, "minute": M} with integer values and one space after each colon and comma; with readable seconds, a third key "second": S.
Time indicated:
{"hour": 10, "minute": 47}
